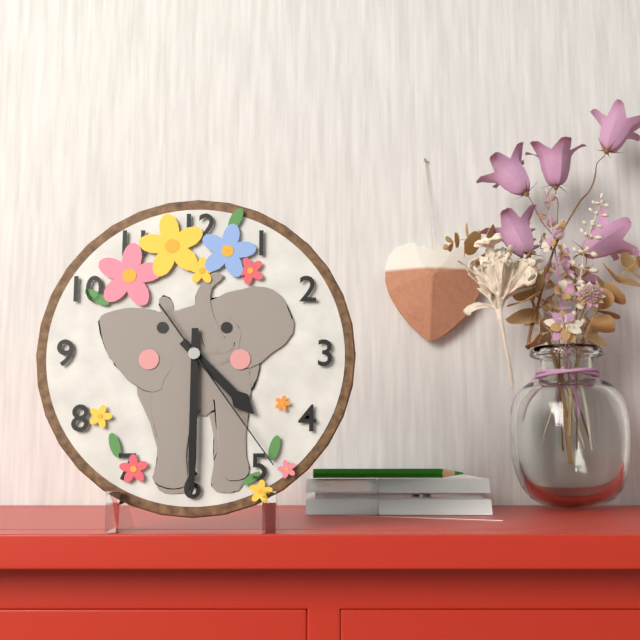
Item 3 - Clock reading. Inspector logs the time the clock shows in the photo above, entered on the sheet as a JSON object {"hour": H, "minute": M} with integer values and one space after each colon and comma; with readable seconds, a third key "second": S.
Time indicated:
{"hour": 4, "minute": 30, "second": 24}
